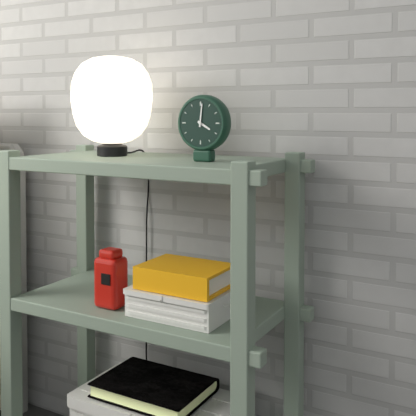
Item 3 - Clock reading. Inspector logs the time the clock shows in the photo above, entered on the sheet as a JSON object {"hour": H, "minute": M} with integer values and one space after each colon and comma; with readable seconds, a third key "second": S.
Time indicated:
{"hour": 4, "minute": 1}
